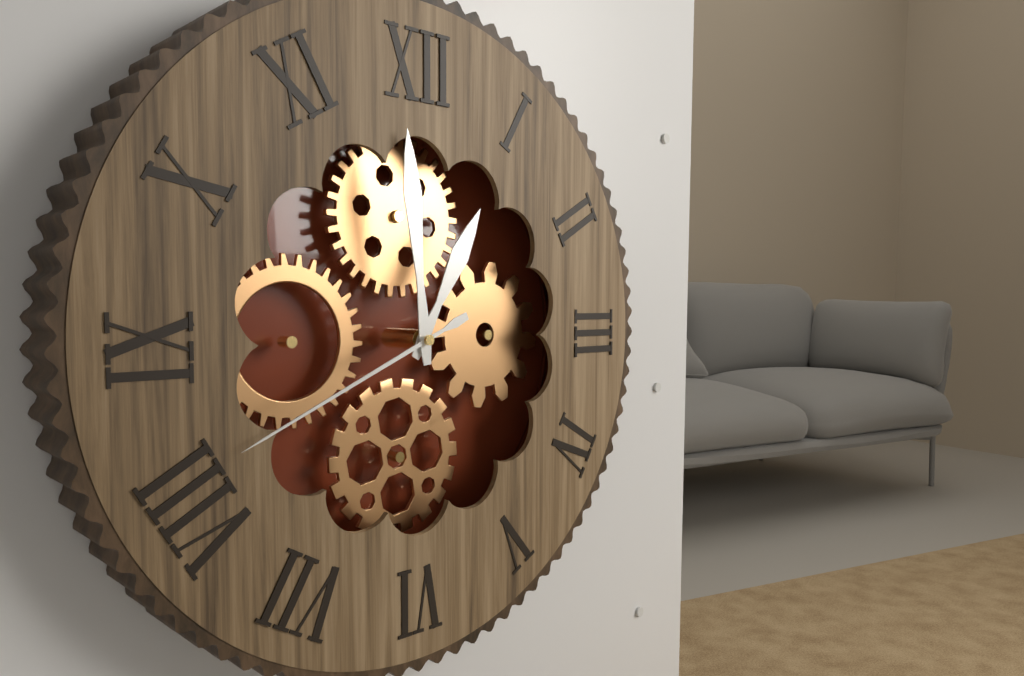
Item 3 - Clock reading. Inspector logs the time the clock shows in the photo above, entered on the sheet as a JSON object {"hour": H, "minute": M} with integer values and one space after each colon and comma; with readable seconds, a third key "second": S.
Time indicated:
{"hour": 12, "minute": 59, "second": 41}
